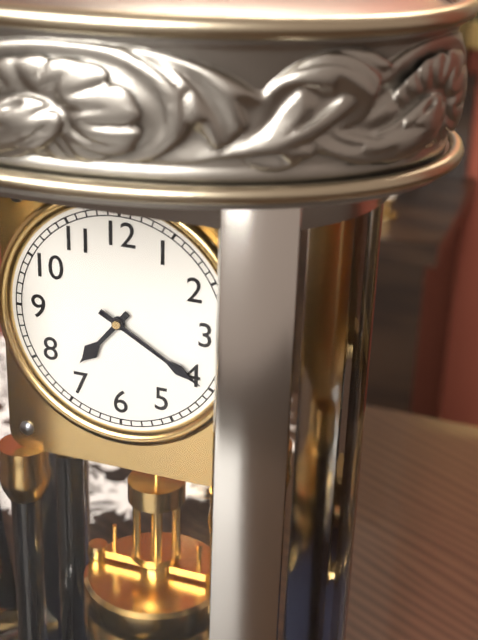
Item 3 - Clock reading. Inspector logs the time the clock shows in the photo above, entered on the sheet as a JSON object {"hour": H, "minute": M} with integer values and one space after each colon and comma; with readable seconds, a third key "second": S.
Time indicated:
{"hour": 7, "minute": 20}
